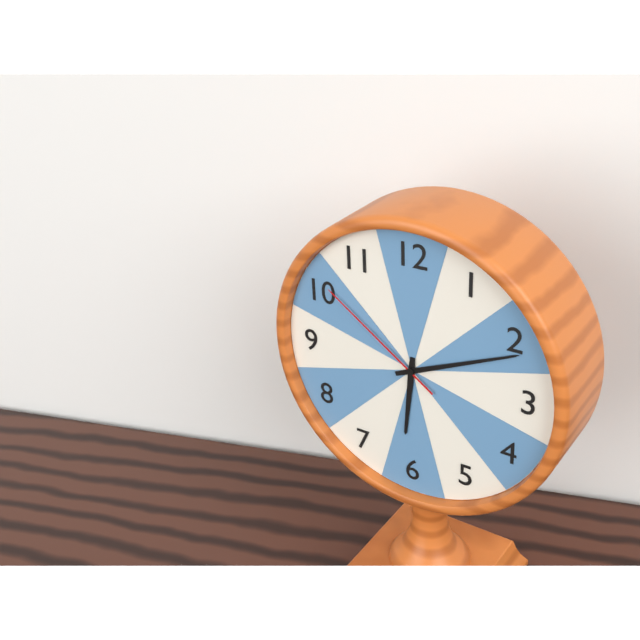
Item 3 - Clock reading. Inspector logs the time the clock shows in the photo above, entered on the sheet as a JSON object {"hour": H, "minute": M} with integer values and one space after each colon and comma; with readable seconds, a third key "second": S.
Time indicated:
{"hour": 6, "minute": 11, "second": 51}
